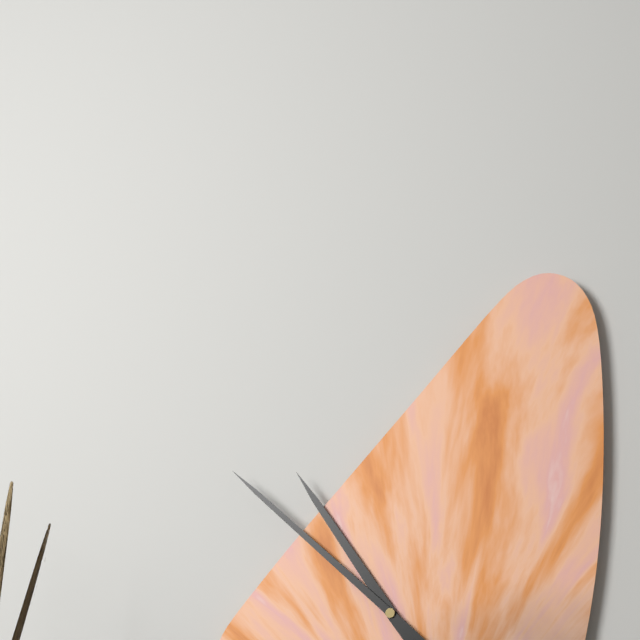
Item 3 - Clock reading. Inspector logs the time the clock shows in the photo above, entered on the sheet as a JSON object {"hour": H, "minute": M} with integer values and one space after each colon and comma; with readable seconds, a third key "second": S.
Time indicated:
{"hour": 10, "minute": 52}
